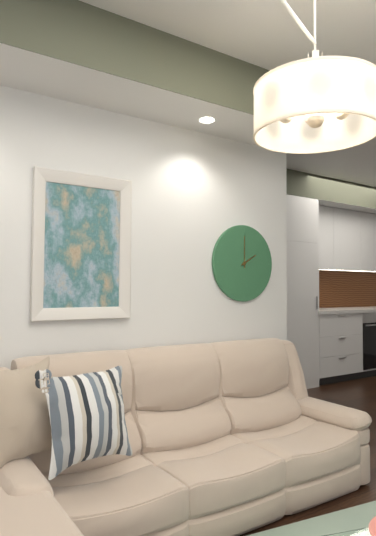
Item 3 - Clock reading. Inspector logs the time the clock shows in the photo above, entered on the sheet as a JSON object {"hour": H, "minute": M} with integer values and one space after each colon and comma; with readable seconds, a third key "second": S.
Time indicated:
{"hour": 2, "minute": 0}
